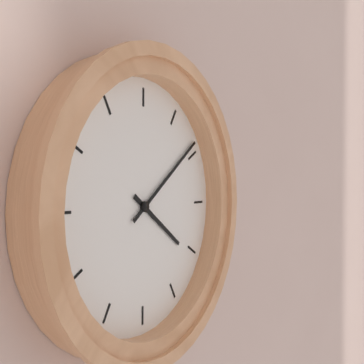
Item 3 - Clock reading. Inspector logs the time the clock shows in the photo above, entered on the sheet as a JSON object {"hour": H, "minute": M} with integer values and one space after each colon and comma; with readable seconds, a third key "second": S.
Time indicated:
{"hour": 4, "minute": 9}
